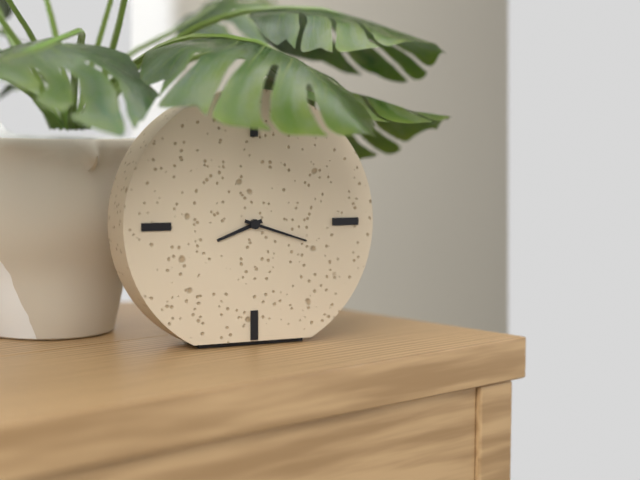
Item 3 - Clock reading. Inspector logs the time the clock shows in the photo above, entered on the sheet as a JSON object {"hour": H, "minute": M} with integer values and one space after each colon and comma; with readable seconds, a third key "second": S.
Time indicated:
{"hour": 8, "minute": 18}
